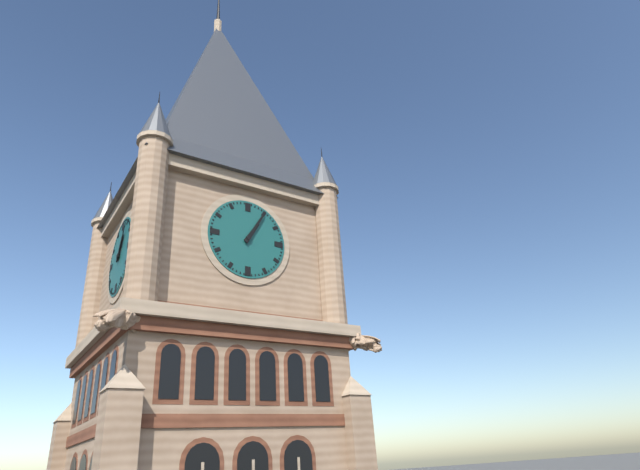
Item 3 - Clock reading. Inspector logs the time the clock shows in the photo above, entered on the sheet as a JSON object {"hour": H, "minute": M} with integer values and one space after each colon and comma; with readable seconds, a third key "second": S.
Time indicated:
{"hour": 1, "minute": 5}
